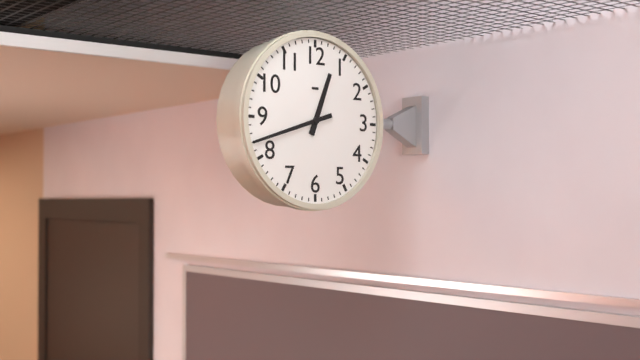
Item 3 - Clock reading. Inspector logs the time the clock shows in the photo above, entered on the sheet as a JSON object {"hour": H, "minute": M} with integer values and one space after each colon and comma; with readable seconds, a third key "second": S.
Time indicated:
{"hour": 12, "minute": 42}
